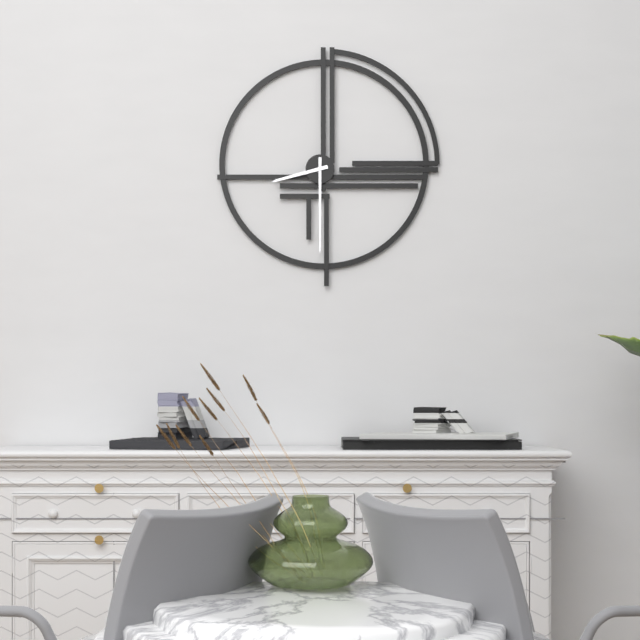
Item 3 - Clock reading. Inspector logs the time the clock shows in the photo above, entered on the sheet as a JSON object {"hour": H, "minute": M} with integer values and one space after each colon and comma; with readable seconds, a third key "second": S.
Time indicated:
{"hour": 8, "minute": 30}
